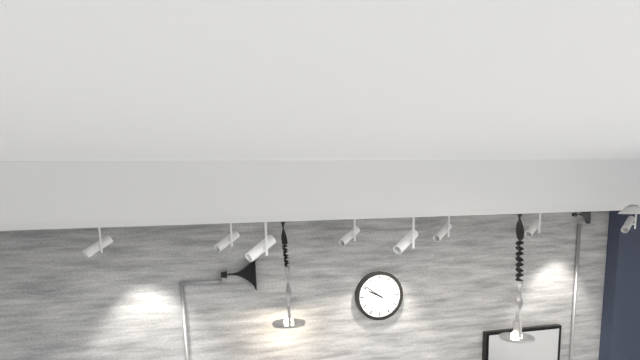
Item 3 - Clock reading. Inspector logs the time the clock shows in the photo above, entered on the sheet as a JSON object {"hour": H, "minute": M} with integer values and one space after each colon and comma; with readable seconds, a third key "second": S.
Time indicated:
{"hour": 9, "minute": 51}
